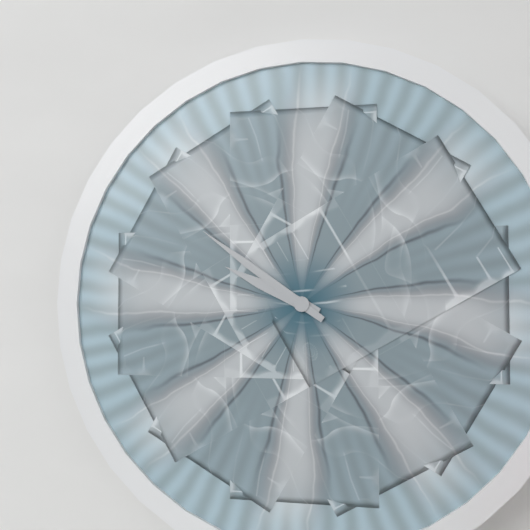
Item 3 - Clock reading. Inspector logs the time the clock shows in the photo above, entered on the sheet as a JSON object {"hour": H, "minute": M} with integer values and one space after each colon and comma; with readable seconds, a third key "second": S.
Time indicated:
{"hour": 9, "minute": 51}
